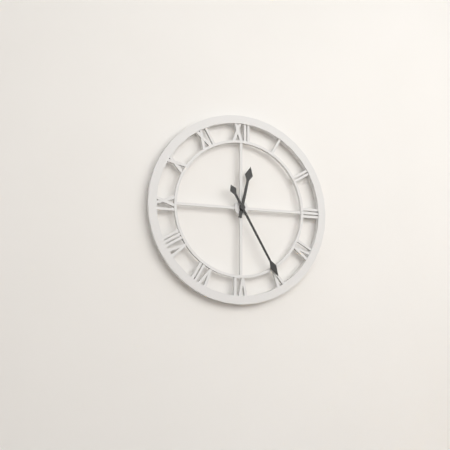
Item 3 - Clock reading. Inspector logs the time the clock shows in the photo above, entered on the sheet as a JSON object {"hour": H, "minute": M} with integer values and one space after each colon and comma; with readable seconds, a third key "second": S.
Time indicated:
{"hour": 12, "minute": 25}
